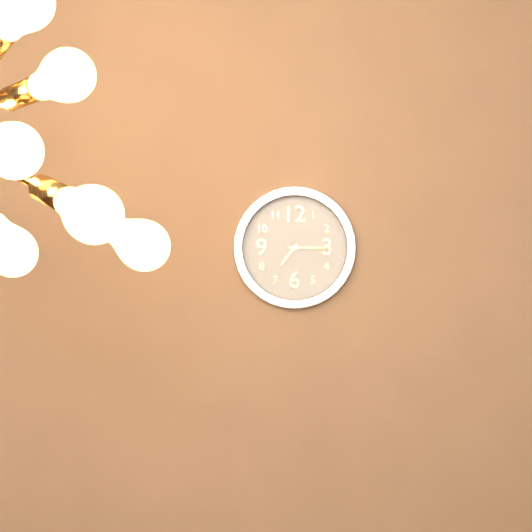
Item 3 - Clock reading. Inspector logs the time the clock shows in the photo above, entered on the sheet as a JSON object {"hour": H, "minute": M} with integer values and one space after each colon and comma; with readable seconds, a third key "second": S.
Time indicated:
{"hour": 7, "minute": 15}
